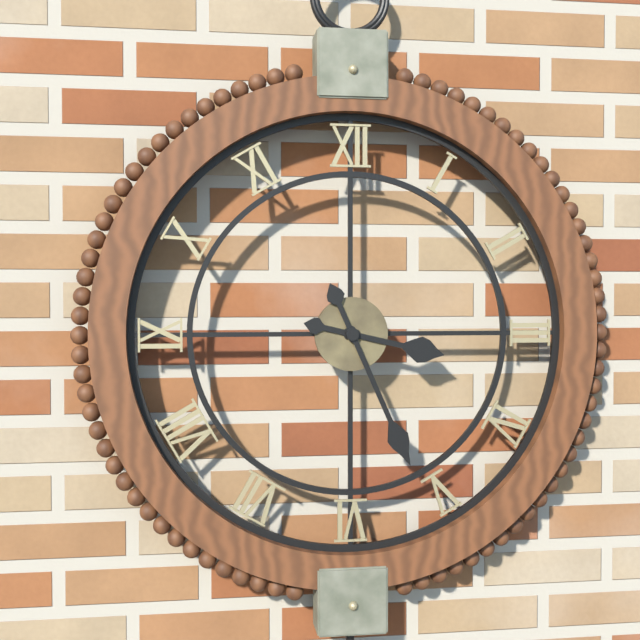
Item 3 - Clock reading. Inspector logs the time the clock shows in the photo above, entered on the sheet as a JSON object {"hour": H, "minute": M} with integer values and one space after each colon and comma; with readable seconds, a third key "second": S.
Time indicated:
{"hour": 3, "minute": 26}
